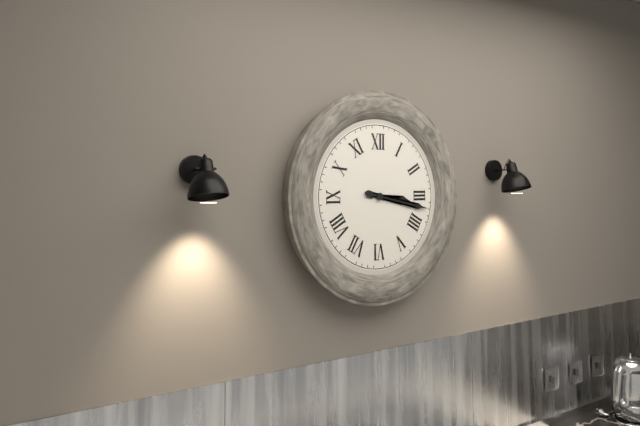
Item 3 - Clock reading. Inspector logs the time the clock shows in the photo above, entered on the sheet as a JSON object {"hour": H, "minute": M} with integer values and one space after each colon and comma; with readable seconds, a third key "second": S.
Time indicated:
{"hour": 3, "minute": 17}
